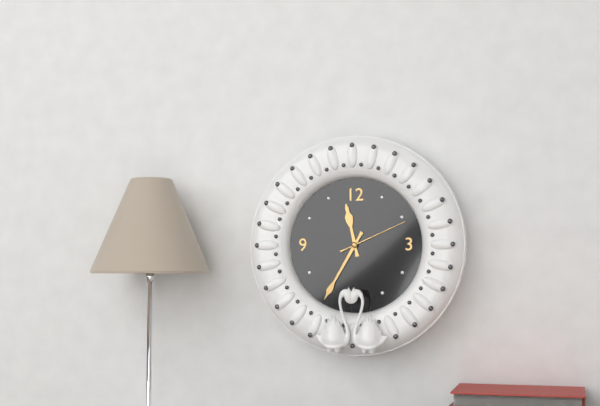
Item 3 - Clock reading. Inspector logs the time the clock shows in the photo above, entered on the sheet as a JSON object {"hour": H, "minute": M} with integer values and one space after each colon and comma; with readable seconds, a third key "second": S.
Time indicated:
{"hour": 11, "minute": 35, "second": 11}
